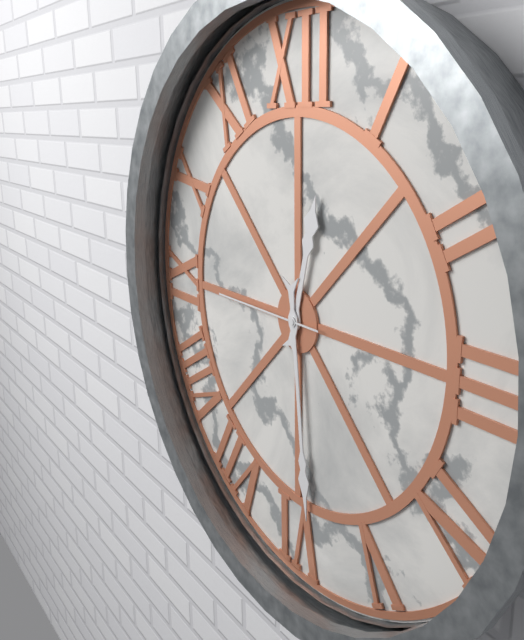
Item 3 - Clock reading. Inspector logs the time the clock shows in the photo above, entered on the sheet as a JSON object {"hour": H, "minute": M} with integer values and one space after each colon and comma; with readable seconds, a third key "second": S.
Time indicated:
{"hour": 12, "minute": 29, "second": 45}
